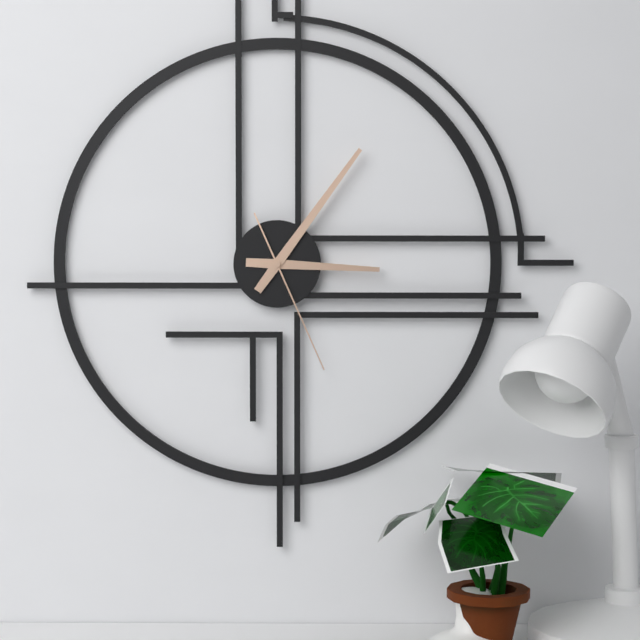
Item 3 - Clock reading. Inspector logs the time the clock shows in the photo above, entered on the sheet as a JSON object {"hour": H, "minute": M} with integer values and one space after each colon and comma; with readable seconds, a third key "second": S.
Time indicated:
{"hour": 3, "minute": 6, "second": 26}
